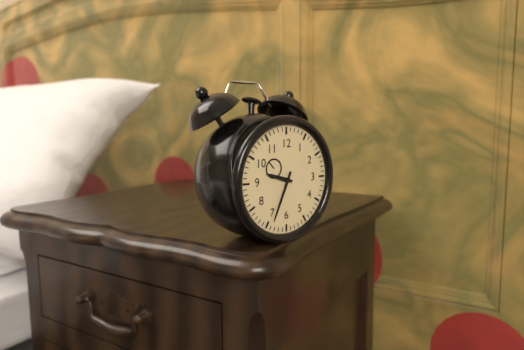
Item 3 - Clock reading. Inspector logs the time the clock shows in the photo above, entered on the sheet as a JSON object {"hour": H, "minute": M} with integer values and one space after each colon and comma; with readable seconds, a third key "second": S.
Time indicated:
{"hour": 9, "minute": 34}
